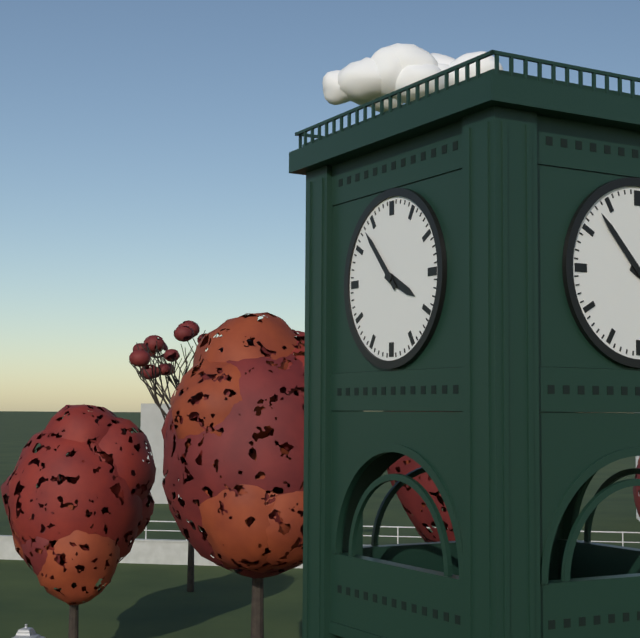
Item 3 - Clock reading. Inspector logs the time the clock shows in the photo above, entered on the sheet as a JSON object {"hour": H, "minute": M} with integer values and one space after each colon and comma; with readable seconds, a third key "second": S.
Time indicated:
{"hour": 3, "minute": 53}
